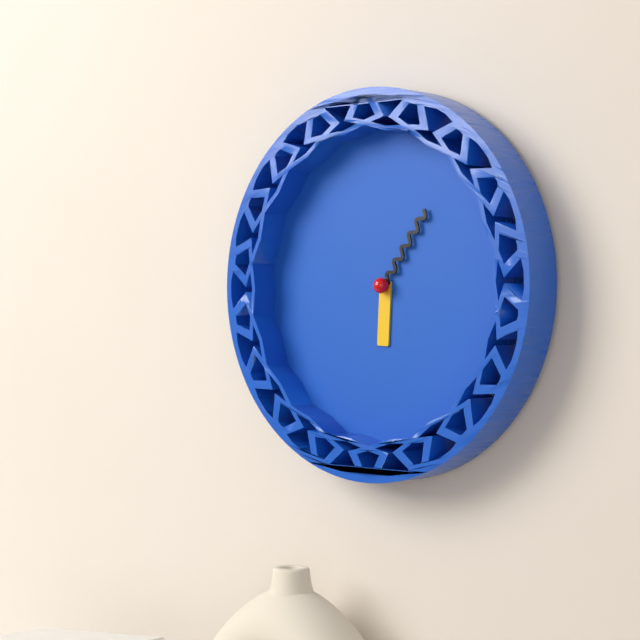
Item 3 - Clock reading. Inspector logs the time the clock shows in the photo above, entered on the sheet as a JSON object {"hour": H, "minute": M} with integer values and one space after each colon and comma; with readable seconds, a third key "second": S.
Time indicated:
{"hour": 6, "minute": 6}
